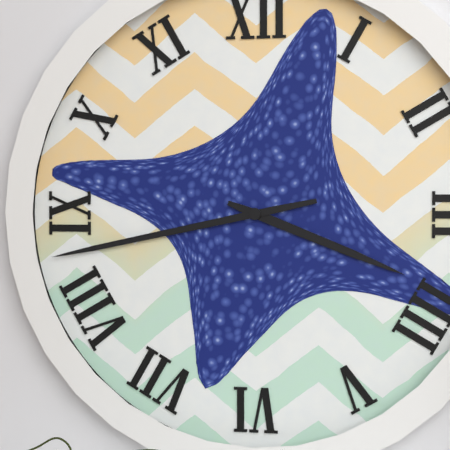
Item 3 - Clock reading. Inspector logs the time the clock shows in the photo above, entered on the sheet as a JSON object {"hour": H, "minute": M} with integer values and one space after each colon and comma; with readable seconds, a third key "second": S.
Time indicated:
{"hour": 3, "minute": 43}
